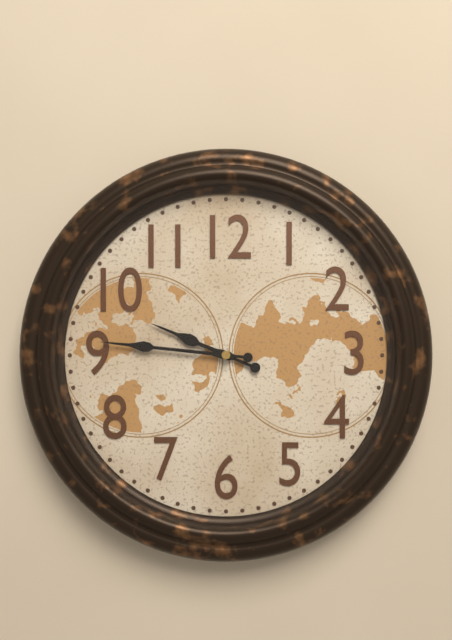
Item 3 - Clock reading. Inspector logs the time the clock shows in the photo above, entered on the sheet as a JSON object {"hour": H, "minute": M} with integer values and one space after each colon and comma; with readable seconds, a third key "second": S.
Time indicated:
{"hour": 9, "minute": 46}
